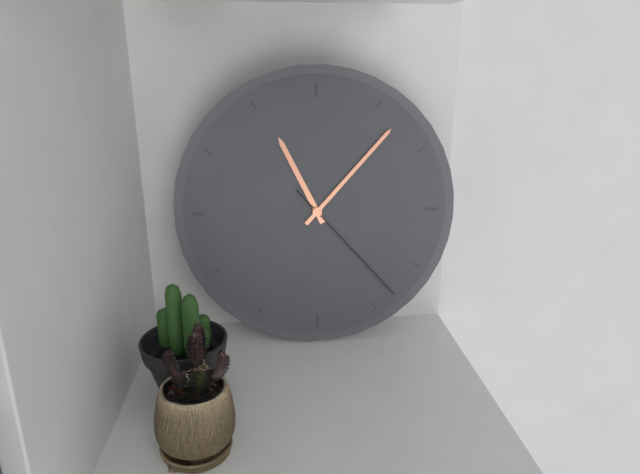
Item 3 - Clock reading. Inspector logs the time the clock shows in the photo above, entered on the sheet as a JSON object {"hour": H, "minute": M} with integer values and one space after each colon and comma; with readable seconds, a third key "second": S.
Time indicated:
{"hour": 11, "minute": 7, "second": 23}
